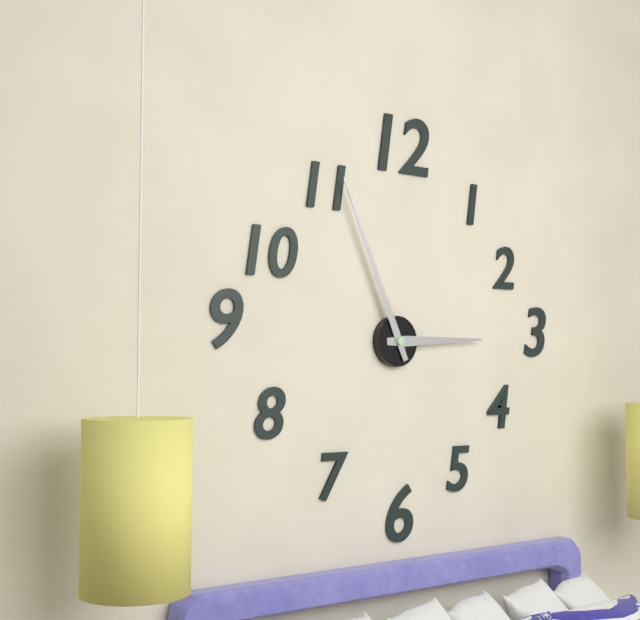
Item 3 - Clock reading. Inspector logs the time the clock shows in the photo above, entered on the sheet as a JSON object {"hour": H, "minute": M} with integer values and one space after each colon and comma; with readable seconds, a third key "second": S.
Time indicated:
{"hour": 2, "minute": 56}
